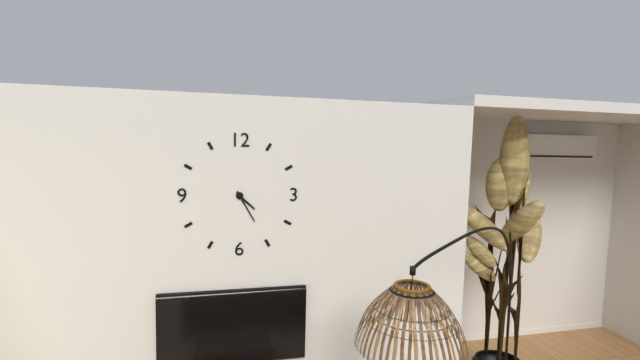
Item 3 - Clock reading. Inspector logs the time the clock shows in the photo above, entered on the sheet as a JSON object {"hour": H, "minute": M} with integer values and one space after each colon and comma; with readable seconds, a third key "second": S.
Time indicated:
{"hour": 4, "minute": 25}
